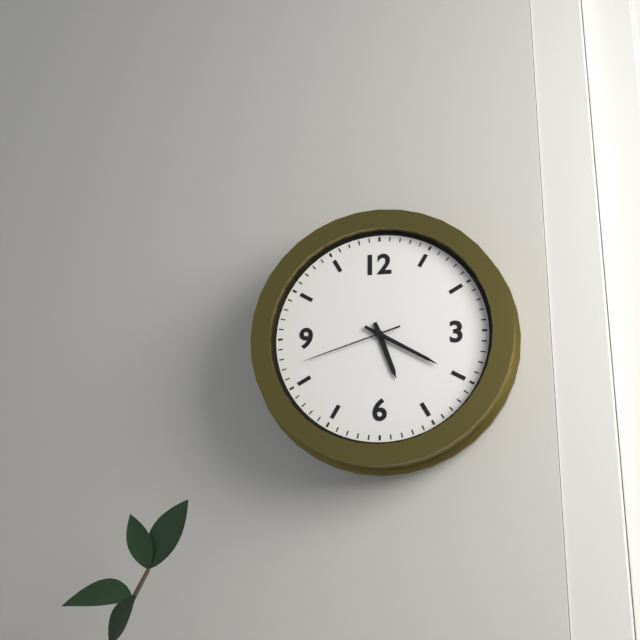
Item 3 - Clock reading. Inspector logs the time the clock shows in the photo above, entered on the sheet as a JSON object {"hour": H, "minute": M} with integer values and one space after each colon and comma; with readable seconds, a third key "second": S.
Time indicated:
{"hour": 5, "minute": 20, "second": 42}
